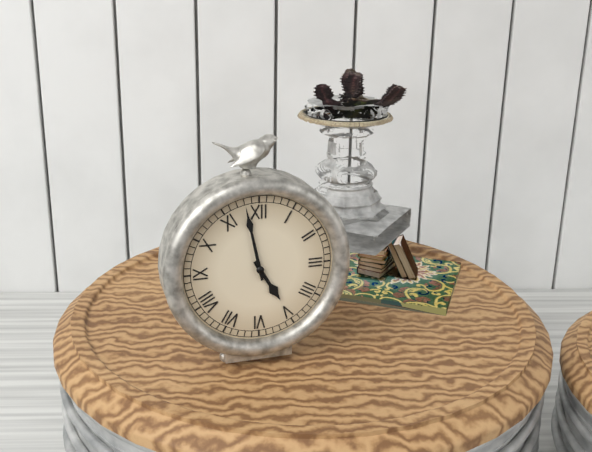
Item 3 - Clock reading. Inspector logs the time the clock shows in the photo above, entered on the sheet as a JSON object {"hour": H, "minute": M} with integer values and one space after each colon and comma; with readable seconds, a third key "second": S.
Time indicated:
{"hour": 4, "minute": 58}
